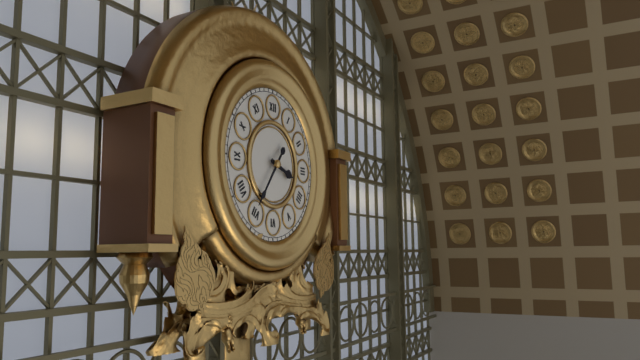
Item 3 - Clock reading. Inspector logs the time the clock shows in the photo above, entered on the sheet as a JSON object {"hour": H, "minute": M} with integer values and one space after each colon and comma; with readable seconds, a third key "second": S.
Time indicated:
{"hour": 3, "minute": 36}
